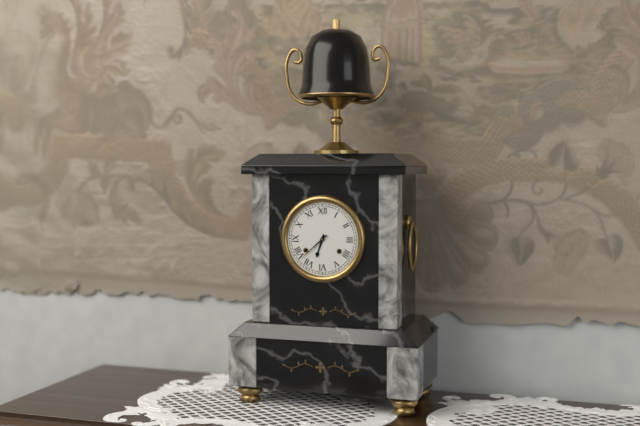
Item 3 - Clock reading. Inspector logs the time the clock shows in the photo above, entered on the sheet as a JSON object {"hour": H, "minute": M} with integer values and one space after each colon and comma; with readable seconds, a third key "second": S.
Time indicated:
{"hour": 6, "minute": 38}
